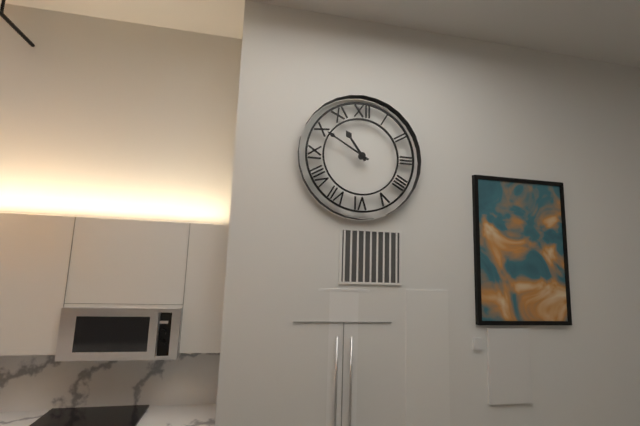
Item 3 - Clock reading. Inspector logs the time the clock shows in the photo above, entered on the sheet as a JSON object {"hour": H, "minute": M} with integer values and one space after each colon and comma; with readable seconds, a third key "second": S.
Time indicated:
{"hour": 10, "minute": 50}
